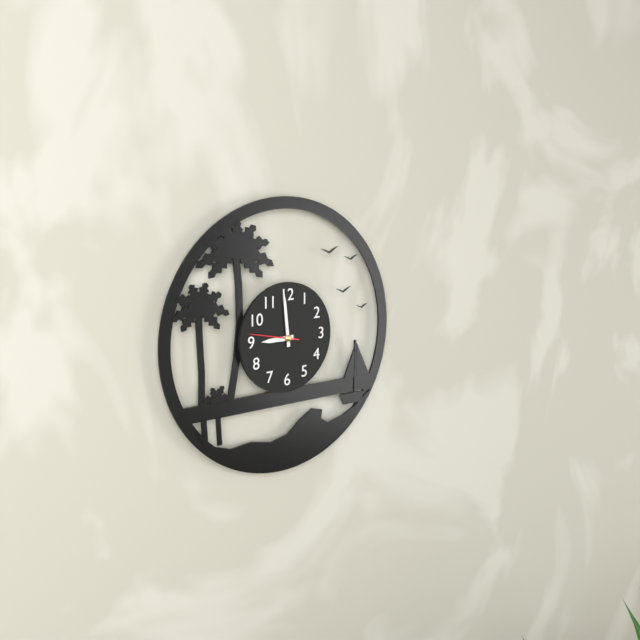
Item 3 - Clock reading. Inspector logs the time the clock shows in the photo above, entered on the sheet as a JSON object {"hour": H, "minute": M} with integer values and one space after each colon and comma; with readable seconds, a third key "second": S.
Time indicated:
{"hour": 8, "minute": 59, "second": 47}
